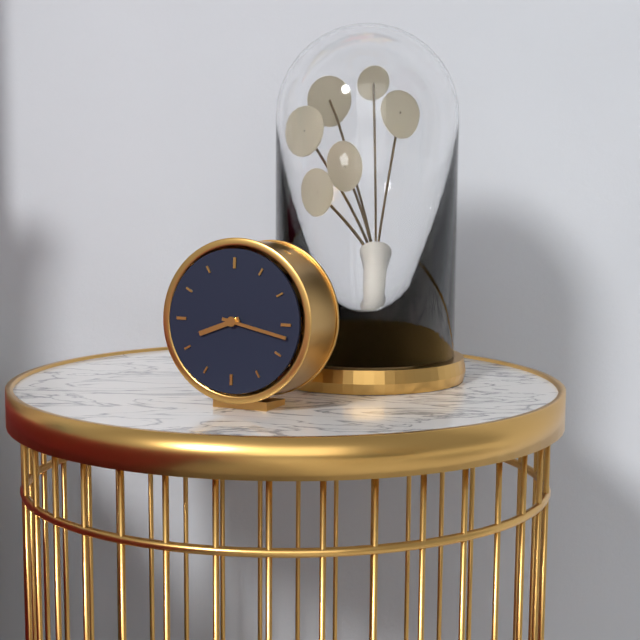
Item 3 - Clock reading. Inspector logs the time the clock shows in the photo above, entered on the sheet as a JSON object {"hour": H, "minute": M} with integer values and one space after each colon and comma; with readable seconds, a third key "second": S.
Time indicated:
{"hour": 8, "minute": 17}
